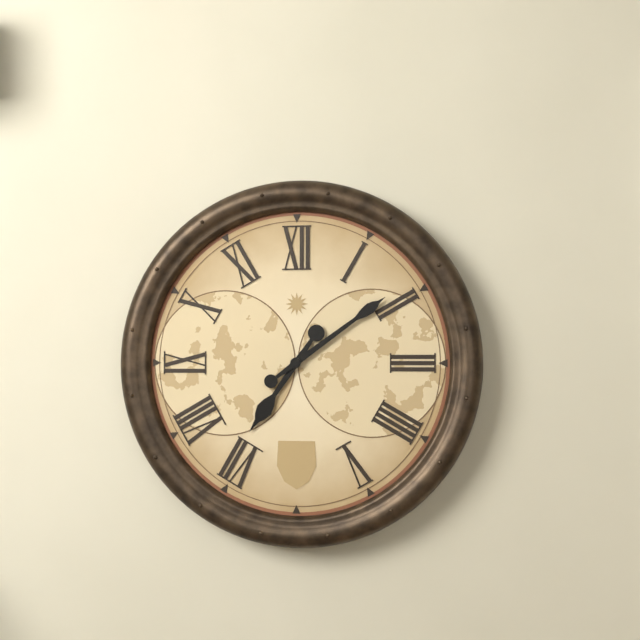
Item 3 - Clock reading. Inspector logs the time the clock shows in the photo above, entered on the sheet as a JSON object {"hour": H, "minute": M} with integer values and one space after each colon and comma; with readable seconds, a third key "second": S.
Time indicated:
{"hour": 7, "minute": 9}
